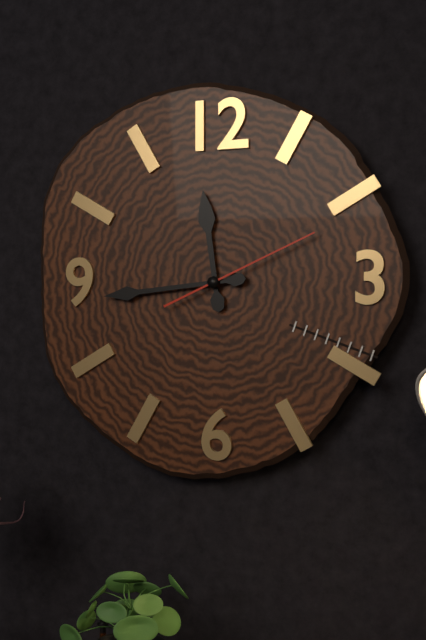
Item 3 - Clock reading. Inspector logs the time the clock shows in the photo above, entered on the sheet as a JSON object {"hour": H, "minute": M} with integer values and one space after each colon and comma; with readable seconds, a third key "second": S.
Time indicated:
{"hour": 11, "minute": 44, "second": 11}
